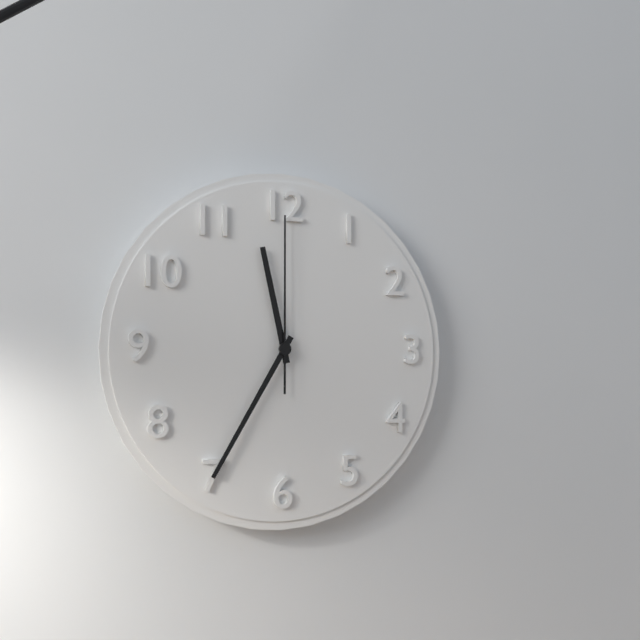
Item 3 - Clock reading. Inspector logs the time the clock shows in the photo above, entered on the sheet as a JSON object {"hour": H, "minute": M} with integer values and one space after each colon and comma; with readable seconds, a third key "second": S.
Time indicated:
{"hour": 11, "minute": 35, "second": 0}
